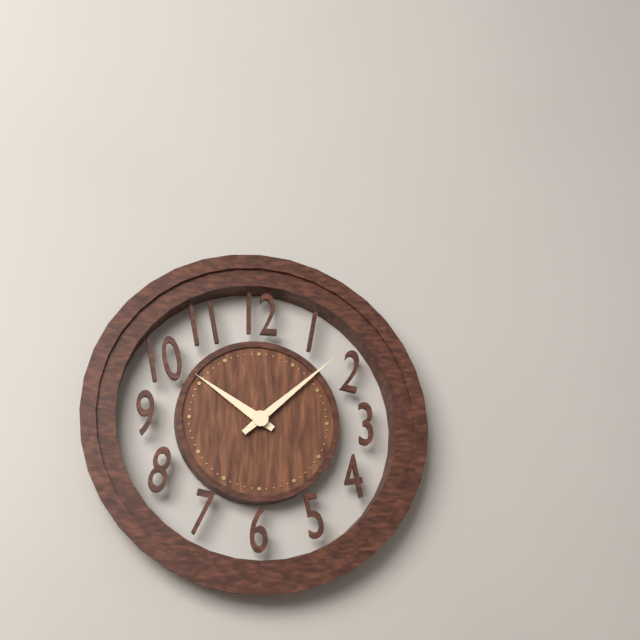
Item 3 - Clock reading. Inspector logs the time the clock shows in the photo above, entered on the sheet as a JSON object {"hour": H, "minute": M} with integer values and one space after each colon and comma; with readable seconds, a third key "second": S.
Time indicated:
{"hour": 10, "minute": 8}
